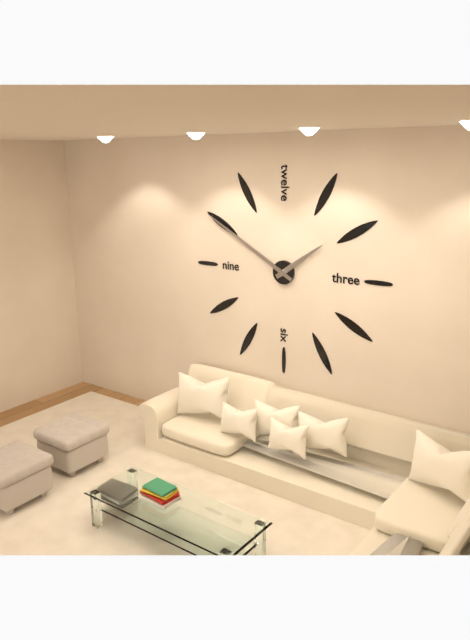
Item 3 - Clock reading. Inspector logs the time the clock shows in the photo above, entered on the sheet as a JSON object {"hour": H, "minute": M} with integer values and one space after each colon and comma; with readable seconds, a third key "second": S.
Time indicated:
{"hour": 1, "minute": 50}
